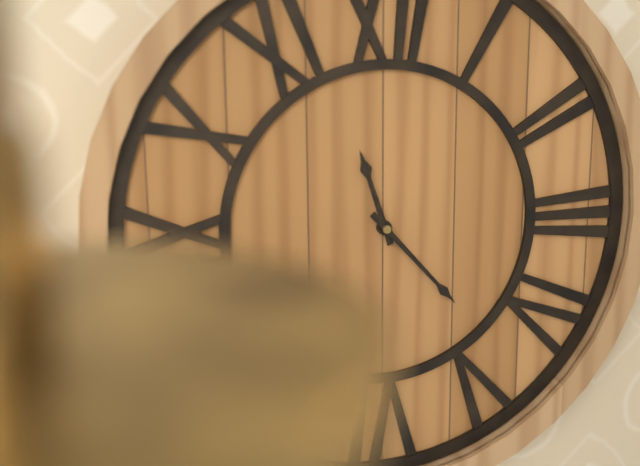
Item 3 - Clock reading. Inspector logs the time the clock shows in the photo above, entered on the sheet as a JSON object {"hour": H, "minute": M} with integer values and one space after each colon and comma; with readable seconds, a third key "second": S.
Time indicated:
{"hour": 11, "minute": 23}
